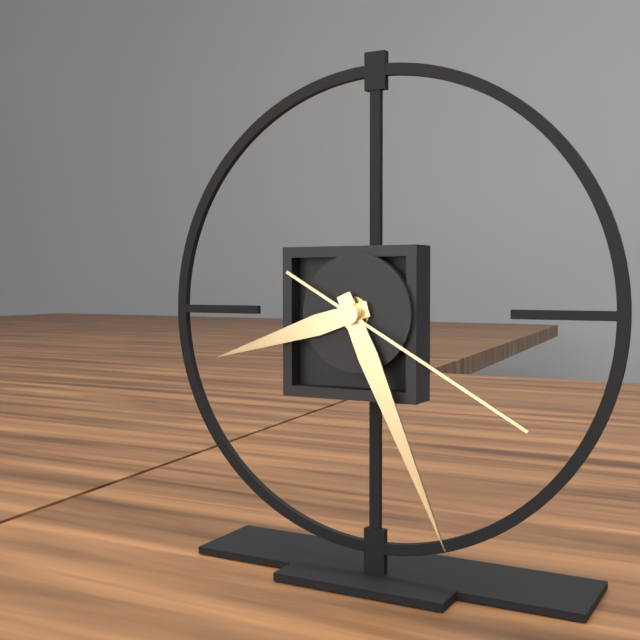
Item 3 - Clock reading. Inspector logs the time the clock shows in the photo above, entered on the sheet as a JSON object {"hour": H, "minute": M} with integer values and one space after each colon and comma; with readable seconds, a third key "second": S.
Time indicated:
{"hour": 8, "minute": 26, "second": 20}
